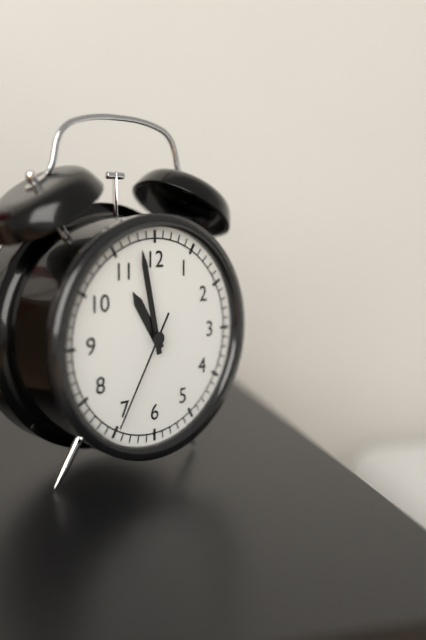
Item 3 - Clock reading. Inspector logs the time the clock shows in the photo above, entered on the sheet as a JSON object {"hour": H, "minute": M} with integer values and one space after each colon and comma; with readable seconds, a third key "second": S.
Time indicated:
{"hour": 10, "minute": 58, "second": 35}
